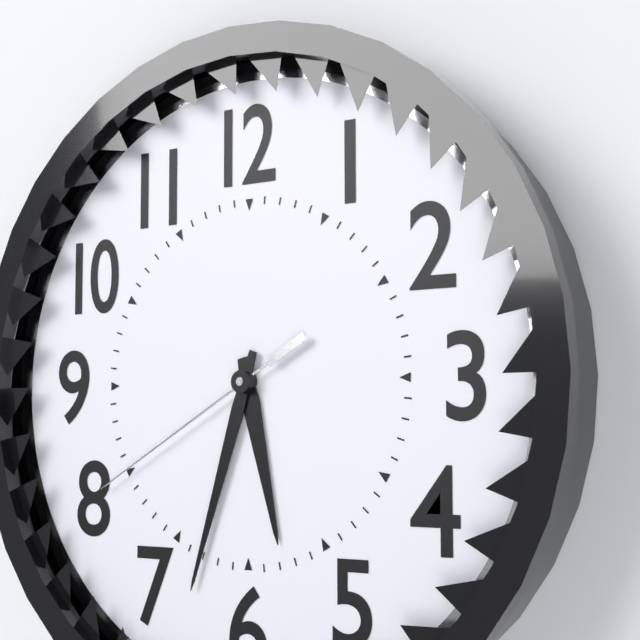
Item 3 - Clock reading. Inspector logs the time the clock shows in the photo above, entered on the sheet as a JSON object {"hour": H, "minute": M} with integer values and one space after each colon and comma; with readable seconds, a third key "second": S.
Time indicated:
{"hour": 5, "minute": 33, "second": 40}
